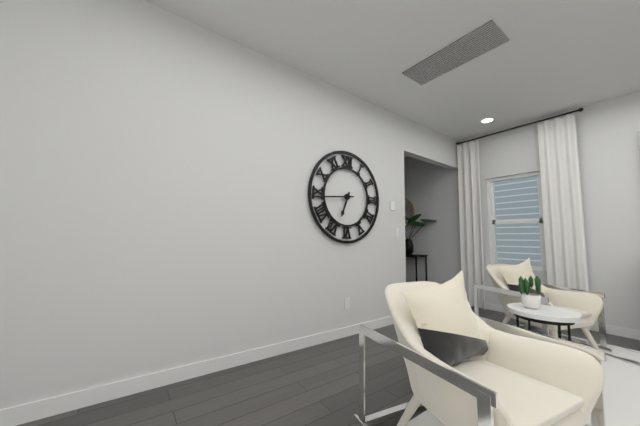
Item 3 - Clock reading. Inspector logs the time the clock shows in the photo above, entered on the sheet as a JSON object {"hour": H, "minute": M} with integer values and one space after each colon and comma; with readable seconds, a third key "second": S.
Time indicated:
{"hour": 6, "minute": 44}
